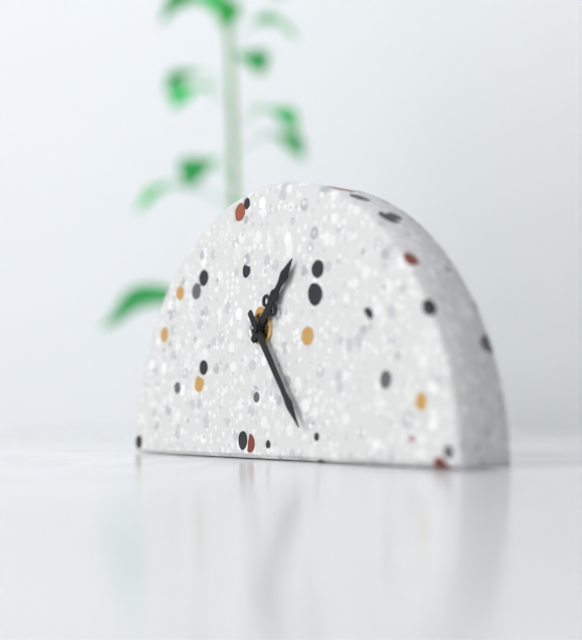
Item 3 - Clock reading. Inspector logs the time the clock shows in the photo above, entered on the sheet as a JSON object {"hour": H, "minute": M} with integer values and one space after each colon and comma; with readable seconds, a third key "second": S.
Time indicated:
{"hour": 1, "minute": 24}
